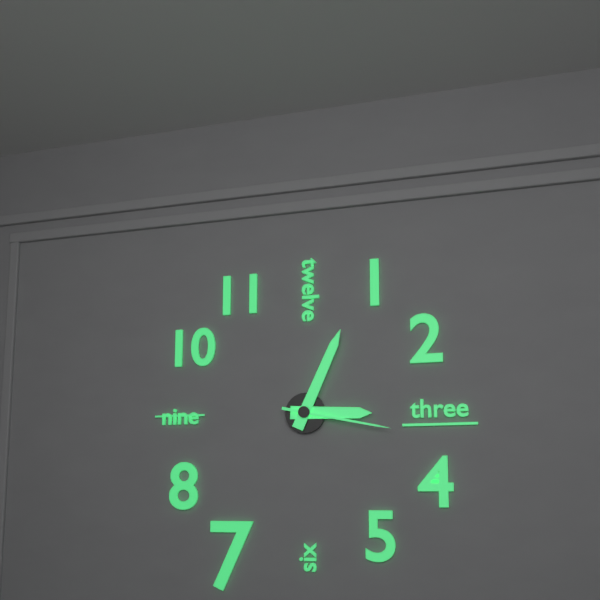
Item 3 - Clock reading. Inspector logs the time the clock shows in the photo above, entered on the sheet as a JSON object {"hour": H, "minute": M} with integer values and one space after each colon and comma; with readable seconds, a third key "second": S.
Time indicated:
{"hour": 3, "minute": 4, "second": 17}
